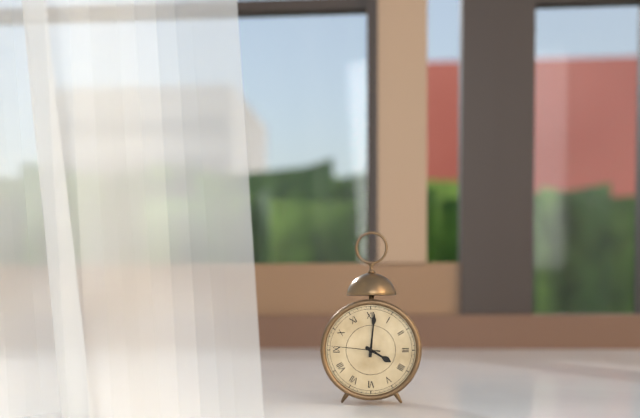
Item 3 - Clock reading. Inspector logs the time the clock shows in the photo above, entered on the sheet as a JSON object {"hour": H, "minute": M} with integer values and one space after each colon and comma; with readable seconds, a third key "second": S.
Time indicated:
{"hour": 4, "minute": 1}
